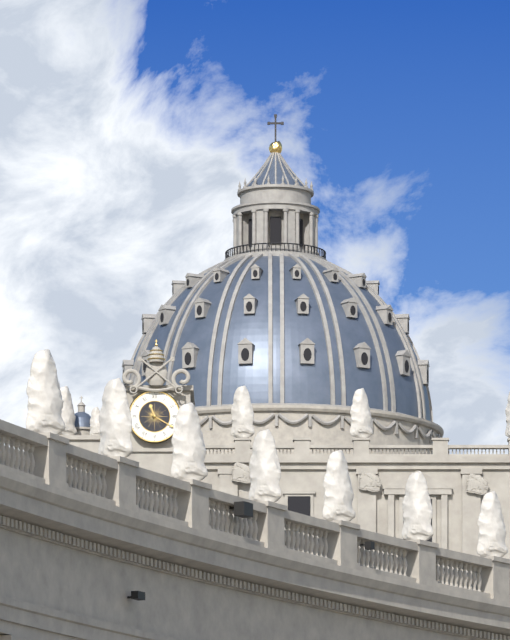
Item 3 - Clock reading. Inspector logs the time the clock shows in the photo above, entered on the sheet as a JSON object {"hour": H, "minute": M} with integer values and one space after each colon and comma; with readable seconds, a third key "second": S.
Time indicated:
{"hour": 11, "minute": 20}
